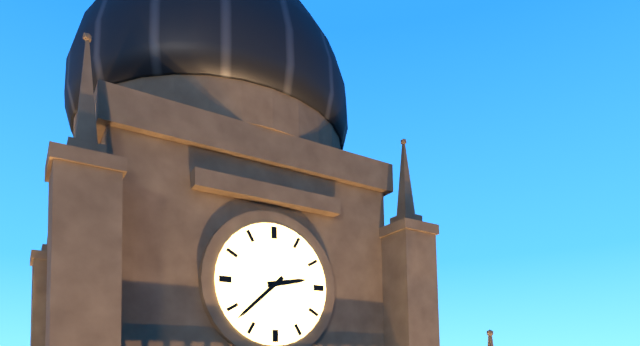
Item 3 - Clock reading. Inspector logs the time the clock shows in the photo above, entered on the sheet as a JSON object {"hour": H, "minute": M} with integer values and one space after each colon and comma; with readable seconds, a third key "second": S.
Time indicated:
{"hour": 2, "minute": 38}
